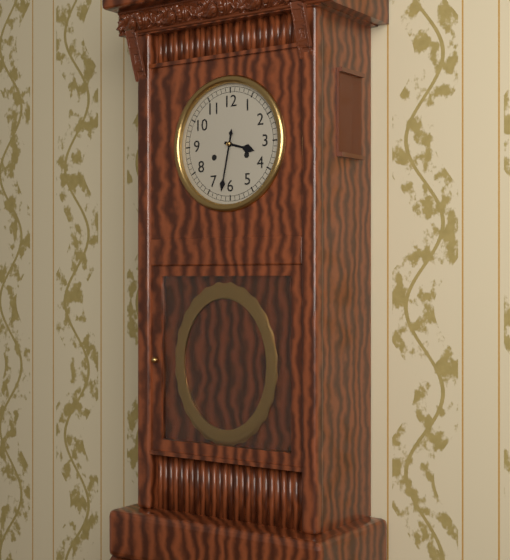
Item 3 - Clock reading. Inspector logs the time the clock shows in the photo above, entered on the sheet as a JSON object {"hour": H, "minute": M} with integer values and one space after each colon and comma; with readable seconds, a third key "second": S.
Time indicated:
{"hour": 3, "minute": 32}
